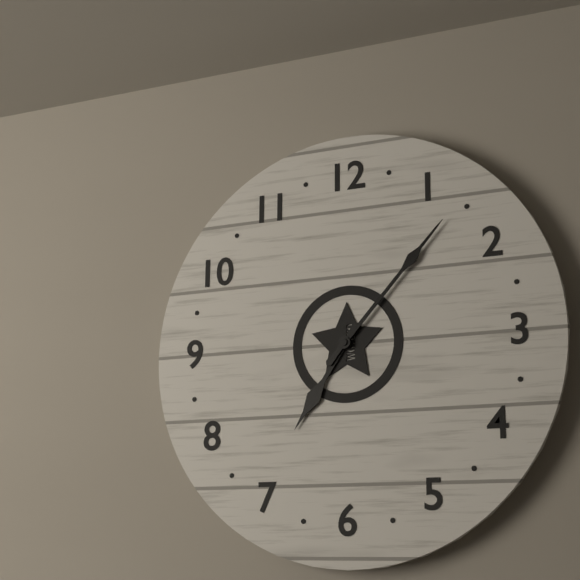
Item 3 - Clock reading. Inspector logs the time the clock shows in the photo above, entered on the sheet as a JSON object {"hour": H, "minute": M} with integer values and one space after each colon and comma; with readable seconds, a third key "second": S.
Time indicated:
{"hour": 7, "minute": 7}
